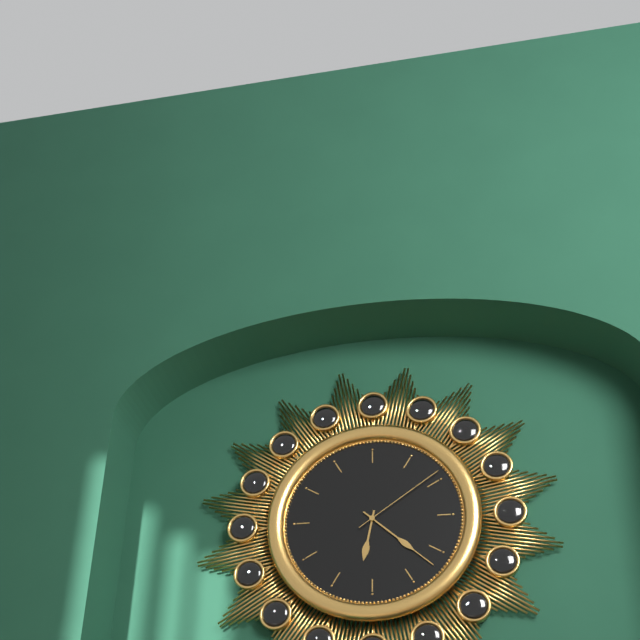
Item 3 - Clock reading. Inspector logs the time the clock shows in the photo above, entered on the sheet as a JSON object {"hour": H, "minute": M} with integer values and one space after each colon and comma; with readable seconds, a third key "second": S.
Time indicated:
{"hour": 6, "minute": 22, "second": 9}
